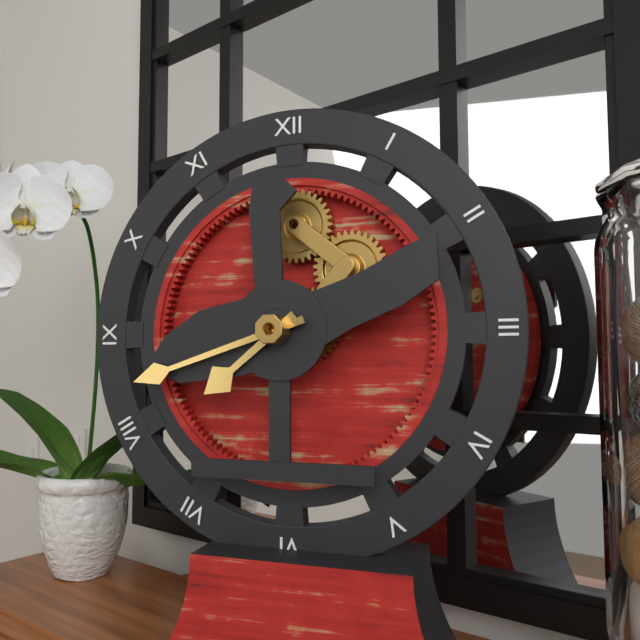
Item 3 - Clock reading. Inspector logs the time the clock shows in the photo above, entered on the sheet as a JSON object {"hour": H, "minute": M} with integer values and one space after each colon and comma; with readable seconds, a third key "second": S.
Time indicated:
{"hour": 7, "minute": 42}
